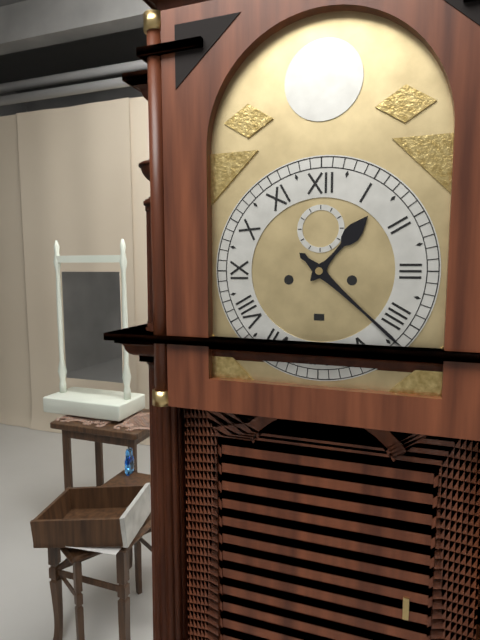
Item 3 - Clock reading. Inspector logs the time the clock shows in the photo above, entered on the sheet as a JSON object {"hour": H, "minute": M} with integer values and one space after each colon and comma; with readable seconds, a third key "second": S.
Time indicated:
{"hour": 1, "minute": 22}
